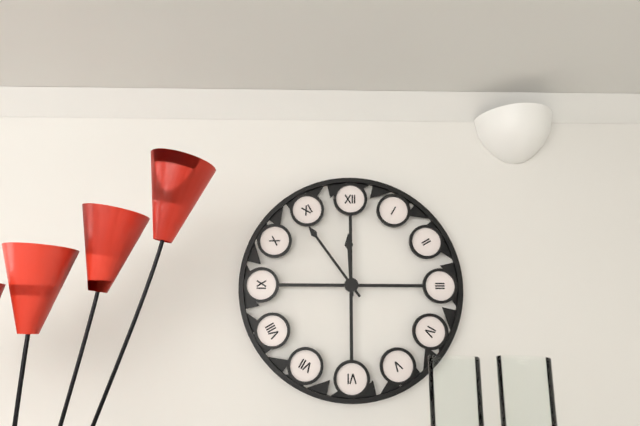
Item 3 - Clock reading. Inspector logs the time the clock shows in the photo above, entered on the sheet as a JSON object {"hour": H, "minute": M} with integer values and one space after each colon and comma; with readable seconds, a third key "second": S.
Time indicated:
{"hour": 11, "minute": 54}
